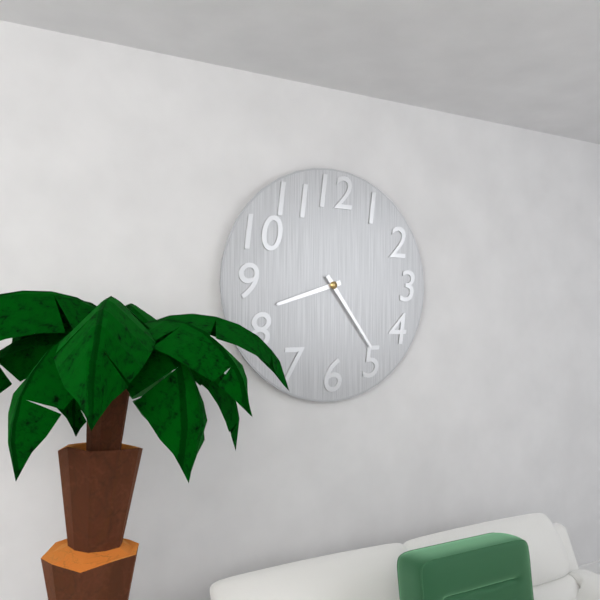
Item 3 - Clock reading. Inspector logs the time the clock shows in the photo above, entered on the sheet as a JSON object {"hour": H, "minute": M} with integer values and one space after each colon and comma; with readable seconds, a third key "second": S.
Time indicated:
{"hour": 8, "minute": 24}
